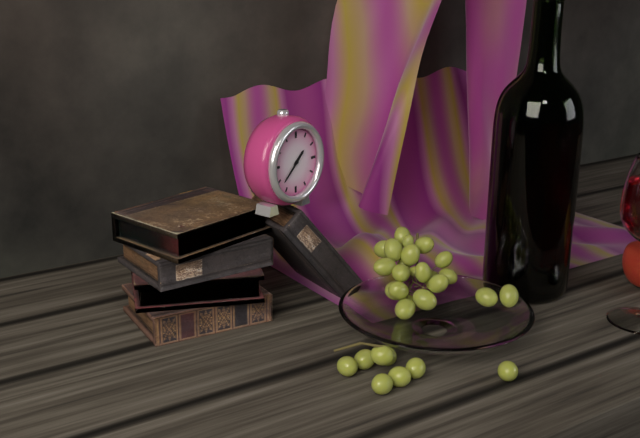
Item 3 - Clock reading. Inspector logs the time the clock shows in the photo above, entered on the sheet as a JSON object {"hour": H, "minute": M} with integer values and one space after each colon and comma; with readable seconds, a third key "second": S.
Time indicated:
{"hour": 1, "minute": 38}
